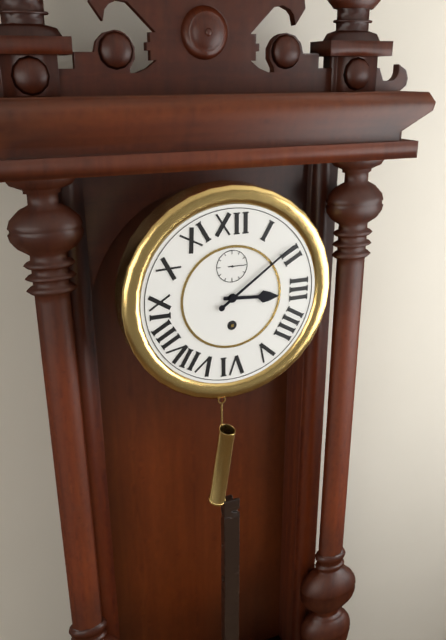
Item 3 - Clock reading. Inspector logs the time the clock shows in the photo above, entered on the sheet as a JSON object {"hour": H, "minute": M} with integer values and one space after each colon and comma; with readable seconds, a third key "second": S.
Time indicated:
{"hour": 3, "minute": 9}
